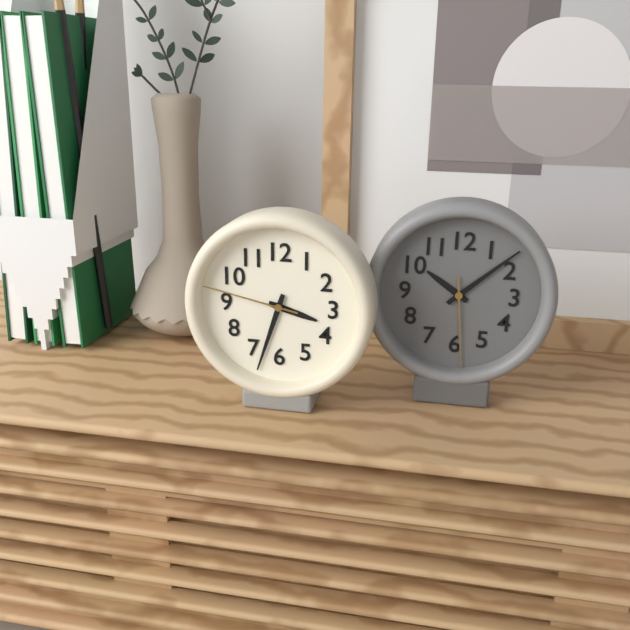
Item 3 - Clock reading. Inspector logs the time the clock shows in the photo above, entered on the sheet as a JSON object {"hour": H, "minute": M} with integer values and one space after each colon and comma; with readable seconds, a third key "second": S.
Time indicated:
{"hour": 3, "minute": 33, "second": 47}
